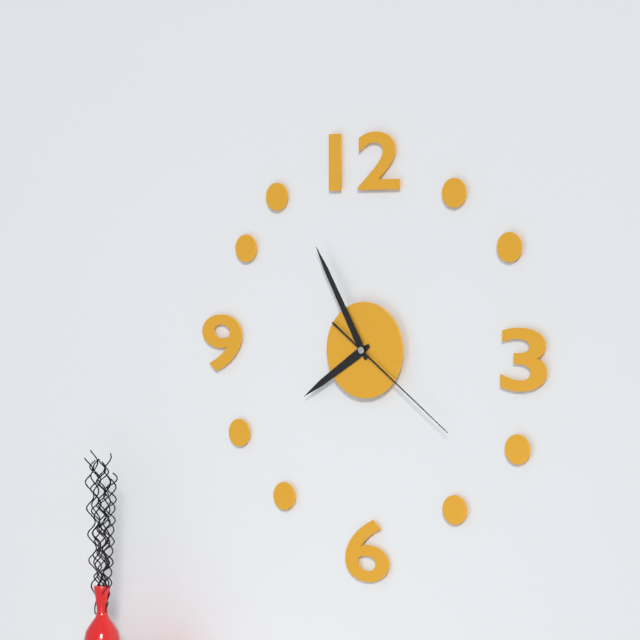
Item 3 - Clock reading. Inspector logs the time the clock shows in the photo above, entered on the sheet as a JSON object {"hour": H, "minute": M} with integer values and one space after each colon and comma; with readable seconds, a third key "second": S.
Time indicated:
{"hour": 7, "minute": 55, "second": 21}
